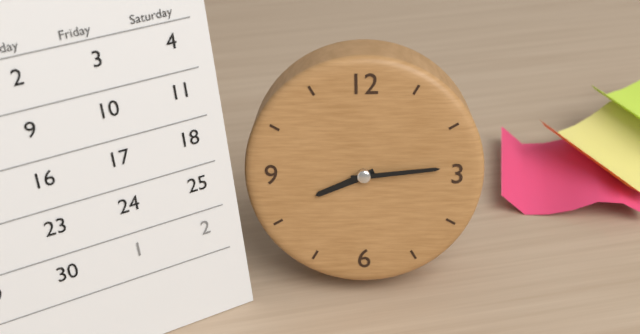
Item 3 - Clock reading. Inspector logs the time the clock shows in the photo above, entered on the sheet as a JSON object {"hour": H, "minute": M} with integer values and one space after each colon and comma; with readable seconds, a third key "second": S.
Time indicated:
{"hour": 8, "minute": 14}
